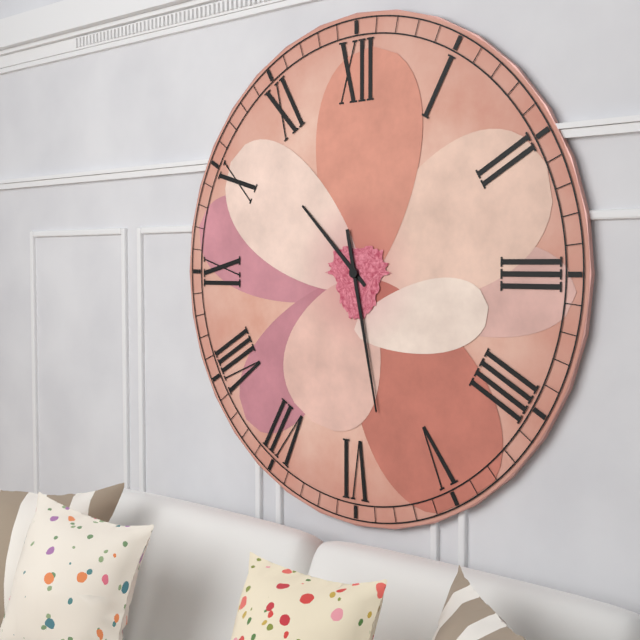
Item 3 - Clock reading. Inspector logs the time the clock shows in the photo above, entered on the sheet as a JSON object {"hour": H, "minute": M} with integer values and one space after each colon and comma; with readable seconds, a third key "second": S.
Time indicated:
{"hour": 10, "minute": 28}
